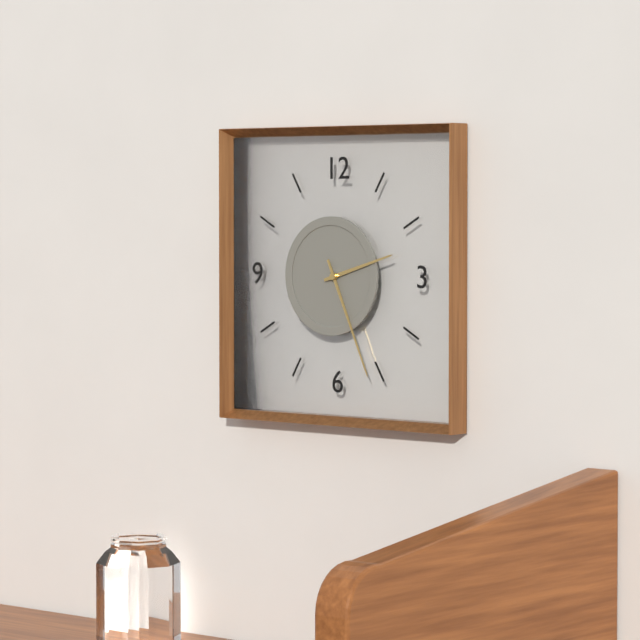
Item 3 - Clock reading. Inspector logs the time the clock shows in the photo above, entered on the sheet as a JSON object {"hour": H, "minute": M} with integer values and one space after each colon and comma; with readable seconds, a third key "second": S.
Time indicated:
{"hour": 2, "minute": 26}
